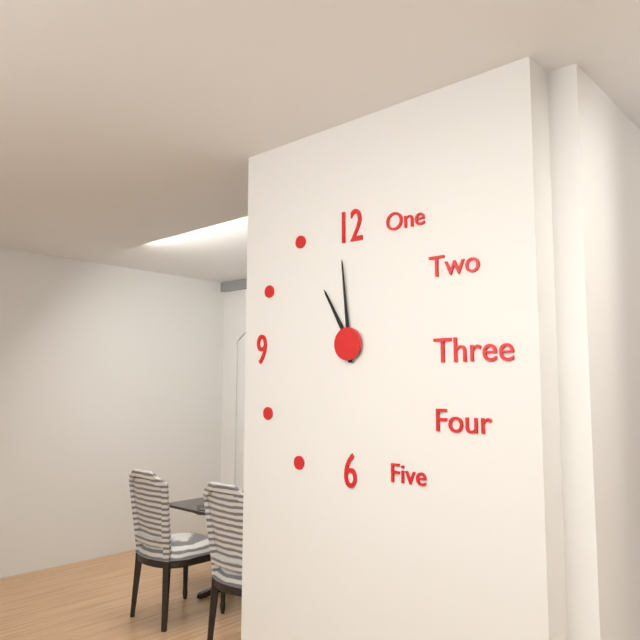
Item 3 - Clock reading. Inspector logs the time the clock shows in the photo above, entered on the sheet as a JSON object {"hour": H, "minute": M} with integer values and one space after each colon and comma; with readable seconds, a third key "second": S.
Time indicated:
{"hour": 10, "minute": 59}
